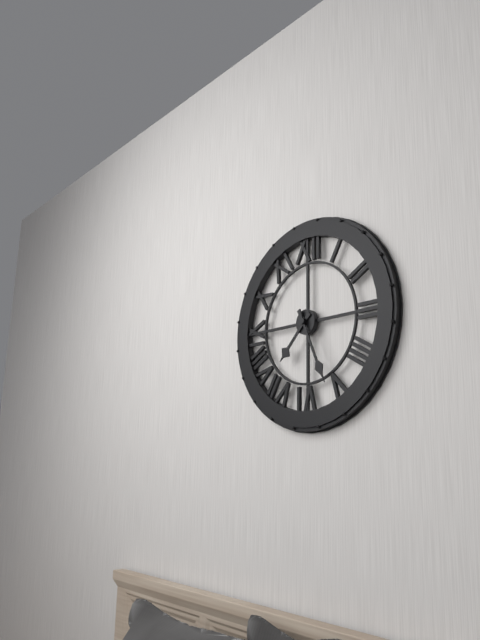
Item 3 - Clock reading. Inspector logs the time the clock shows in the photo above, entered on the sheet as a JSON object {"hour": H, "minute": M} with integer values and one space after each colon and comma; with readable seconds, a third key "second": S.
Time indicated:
{"hour": 7, "minute": 26}
